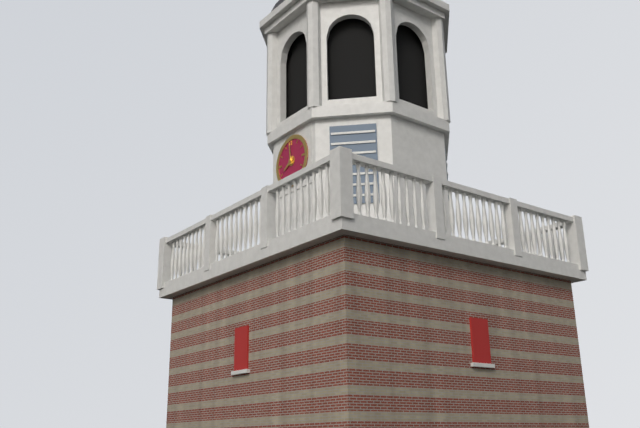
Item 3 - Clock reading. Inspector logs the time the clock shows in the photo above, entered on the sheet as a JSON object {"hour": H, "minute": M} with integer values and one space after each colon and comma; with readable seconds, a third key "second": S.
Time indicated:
{"hour": 7, "minute": 59}
